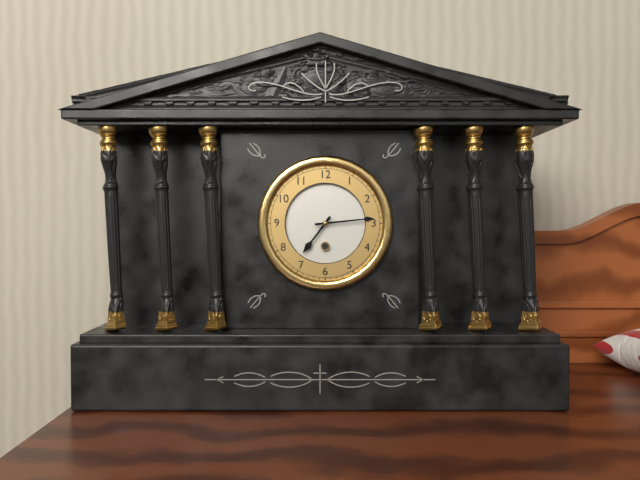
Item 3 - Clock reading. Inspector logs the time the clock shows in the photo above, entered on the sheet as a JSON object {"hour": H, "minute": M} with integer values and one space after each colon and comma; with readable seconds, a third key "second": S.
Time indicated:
{"hour": 7, "minute": 14}
